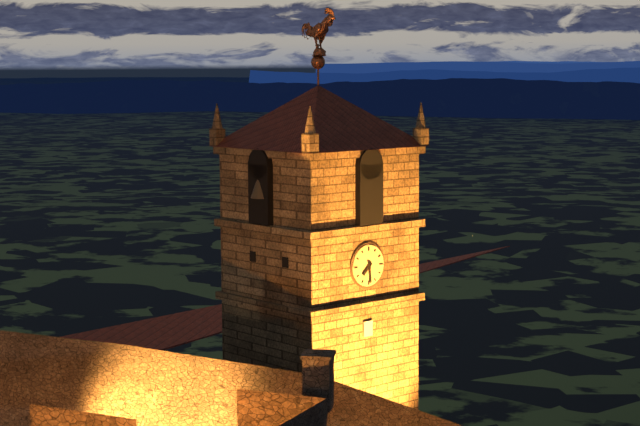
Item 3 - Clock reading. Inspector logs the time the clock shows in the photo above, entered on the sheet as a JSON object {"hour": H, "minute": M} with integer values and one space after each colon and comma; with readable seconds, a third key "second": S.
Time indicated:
{"hour": 7, "minute": 29}
